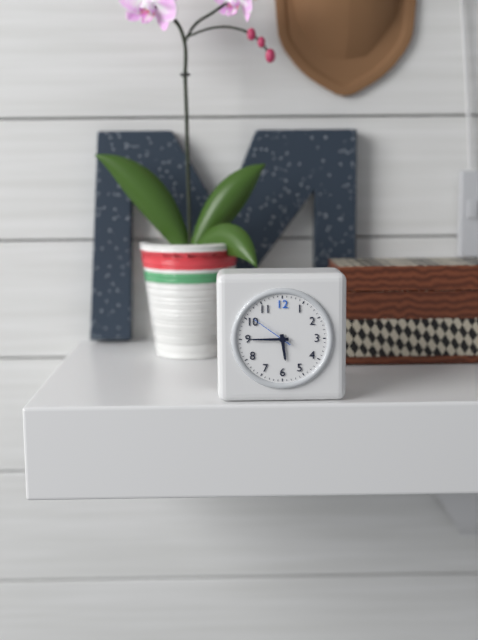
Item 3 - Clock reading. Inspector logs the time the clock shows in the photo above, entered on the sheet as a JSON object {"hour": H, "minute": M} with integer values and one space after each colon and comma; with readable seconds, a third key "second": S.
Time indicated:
{"hour": 5, "minute": 45}
